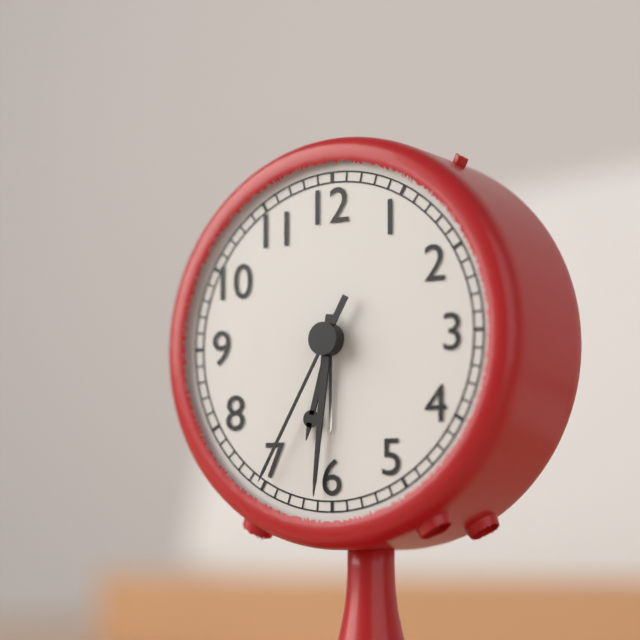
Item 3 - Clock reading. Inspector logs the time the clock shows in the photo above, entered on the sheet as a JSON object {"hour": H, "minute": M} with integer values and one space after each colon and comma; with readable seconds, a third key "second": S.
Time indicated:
{"hour": 6, "minute": 31, "second": 35}
